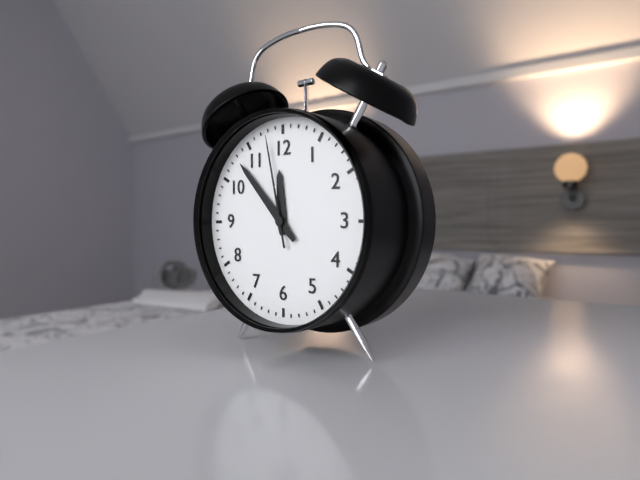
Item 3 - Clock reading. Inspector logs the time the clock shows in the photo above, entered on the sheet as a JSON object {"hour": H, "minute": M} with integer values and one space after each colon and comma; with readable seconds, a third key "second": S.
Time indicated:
{"hour": 11, "minute": 53, "second": 58}
